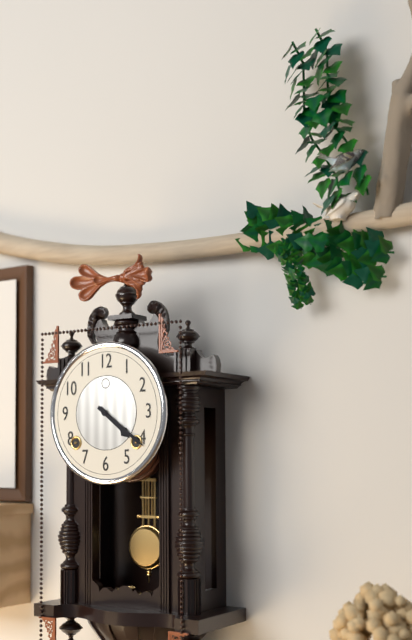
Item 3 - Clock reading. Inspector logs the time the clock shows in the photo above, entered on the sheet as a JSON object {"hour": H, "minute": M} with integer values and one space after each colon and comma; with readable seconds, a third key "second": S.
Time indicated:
{"hour": 4, "minute": 21}
